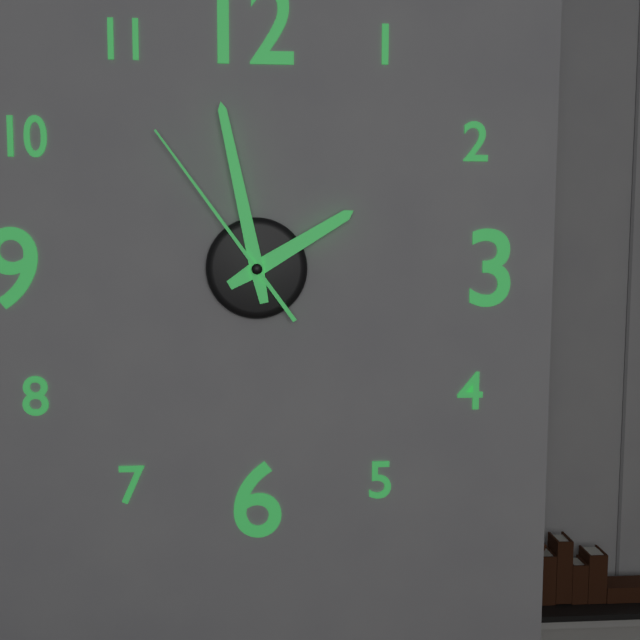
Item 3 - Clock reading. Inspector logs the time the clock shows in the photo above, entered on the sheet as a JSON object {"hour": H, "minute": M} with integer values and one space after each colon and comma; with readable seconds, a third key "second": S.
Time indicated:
{"hour": 1, "minute": 58, "second": 54}
